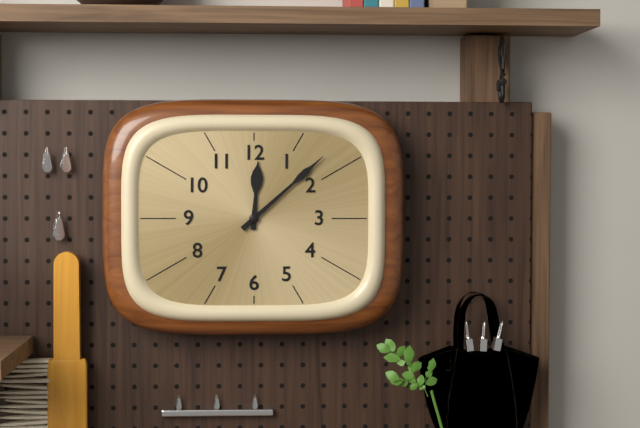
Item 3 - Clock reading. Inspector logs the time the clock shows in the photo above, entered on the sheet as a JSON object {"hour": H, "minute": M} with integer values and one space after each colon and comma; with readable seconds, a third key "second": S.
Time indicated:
{"hour": 12, "minute": 8}
